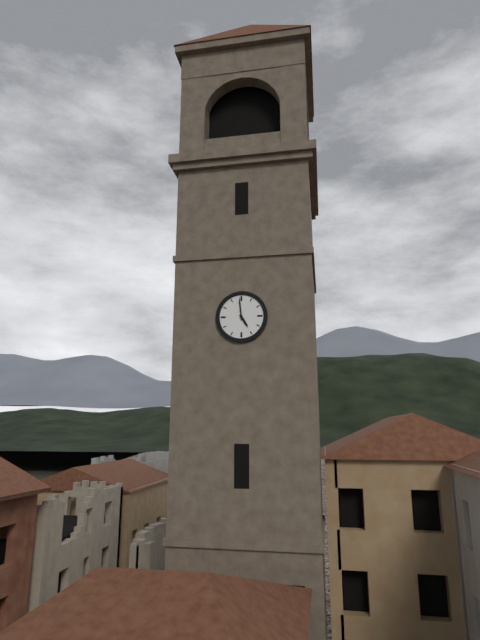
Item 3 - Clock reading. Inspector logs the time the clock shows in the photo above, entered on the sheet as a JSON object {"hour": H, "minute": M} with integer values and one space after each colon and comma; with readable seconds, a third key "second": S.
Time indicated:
{"hour": 4, "minute": 59}
